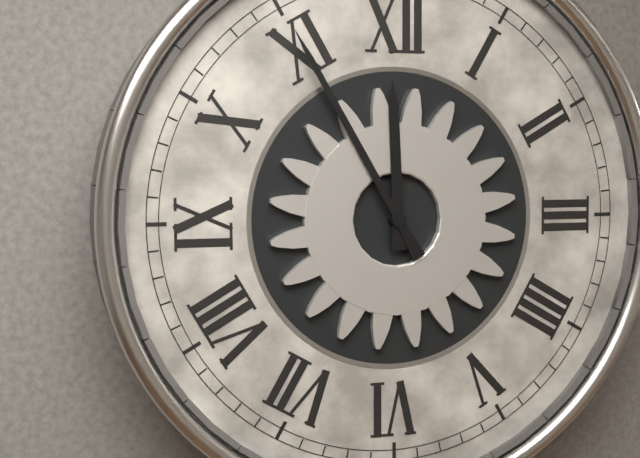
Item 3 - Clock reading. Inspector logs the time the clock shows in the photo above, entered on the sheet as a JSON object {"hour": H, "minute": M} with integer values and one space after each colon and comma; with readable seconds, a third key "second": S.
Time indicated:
{"hour": 11, "minute": 55}
